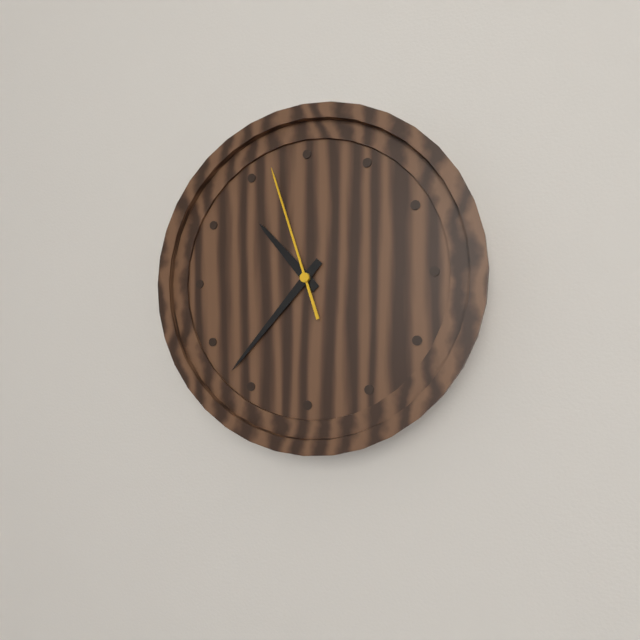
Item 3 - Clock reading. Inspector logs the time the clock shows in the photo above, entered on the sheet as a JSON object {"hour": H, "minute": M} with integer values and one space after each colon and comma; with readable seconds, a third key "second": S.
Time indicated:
{"hour": 10, "minute": 37, "second": 57}
